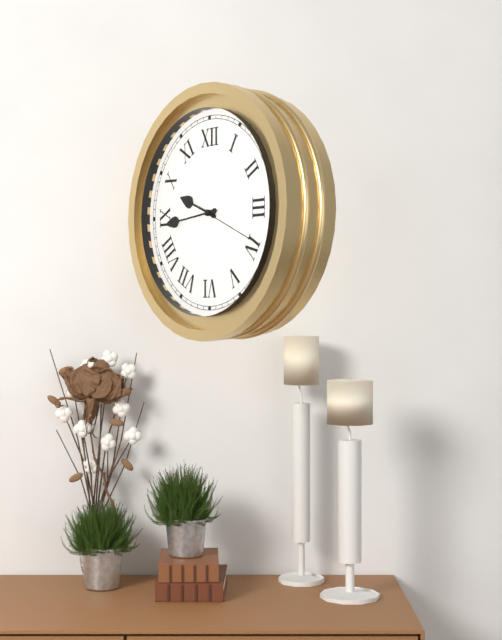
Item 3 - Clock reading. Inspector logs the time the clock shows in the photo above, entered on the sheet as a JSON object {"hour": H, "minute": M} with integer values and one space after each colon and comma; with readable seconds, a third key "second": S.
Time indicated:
{"hour": 9, "minute": 44, "second": 19}
